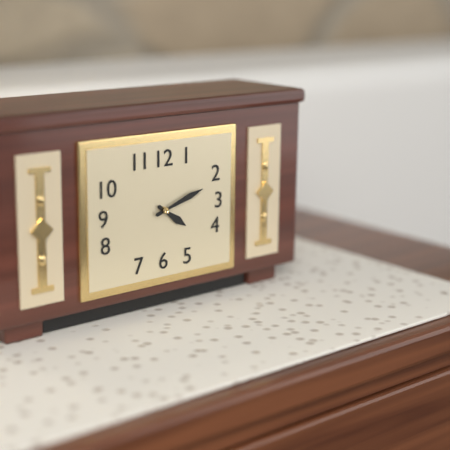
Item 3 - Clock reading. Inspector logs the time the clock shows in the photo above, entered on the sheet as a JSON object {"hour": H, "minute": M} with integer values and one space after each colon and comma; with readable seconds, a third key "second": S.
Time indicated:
{"hour": 4, "minute": 12}
